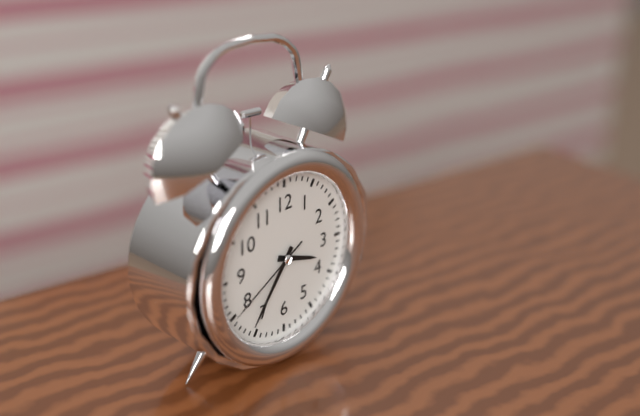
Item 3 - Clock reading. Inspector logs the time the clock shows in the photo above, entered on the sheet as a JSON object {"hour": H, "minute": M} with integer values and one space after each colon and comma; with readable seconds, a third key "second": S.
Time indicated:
{"hour": 3, "minute": 36, "second": 40}
